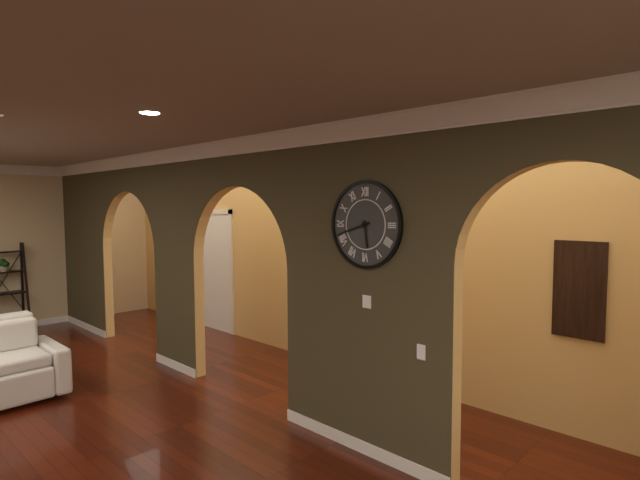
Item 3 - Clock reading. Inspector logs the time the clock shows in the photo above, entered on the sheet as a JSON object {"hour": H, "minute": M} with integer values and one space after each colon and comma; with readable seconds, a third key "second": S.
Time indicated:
{"hour": 5, "minute": 42}
